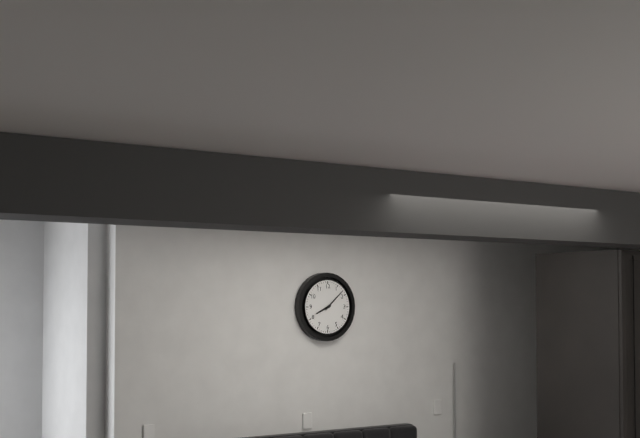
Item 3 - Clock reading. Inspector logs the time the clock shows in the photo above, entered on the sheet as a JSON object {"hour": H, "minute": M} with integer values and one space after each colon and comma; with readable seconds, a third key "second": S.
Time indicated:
{"hour": 8, "minute": 8}
